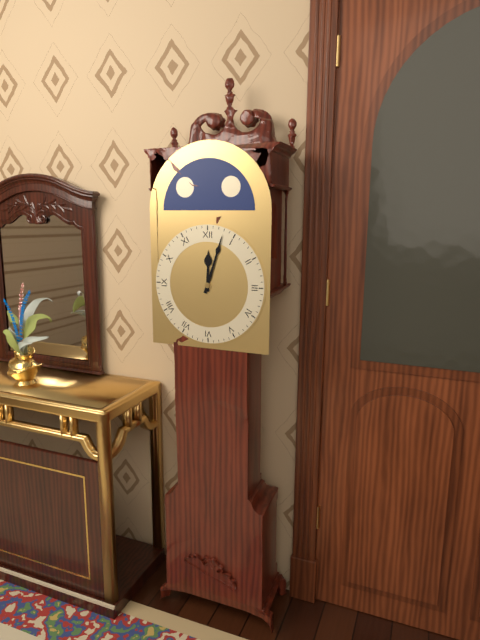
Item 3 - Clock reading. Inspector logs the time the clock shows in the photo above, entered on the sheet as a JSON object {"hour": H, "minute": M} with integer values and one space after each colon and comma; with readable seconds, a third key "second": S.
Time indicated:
{"hour": 12, "minute": 3}
